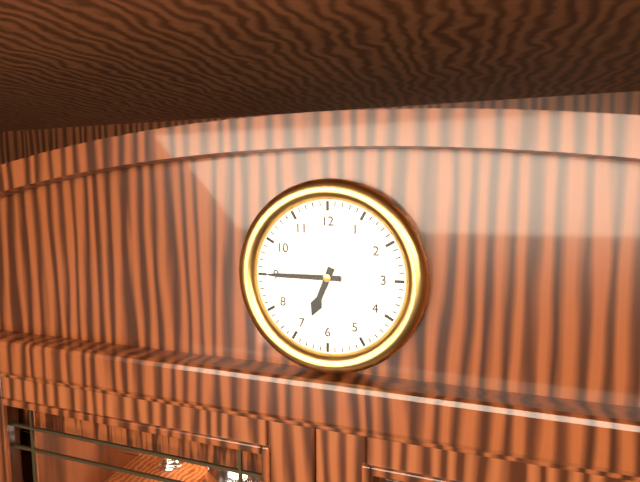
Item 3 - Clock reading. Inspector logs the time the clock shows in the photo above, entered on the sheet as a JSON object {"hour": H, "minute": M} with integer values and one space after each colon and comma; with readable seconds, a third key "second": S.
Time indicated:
{"hour": 6, "minute": 45}
